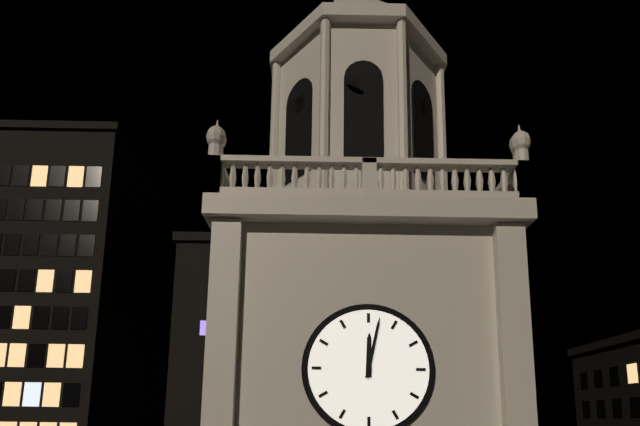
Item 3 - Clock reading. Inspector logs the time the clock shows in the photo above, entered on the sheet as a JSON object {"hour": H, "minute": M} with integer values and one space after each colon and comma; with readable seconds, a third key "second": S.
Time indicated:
{"hour": 12, "minute": 2}
